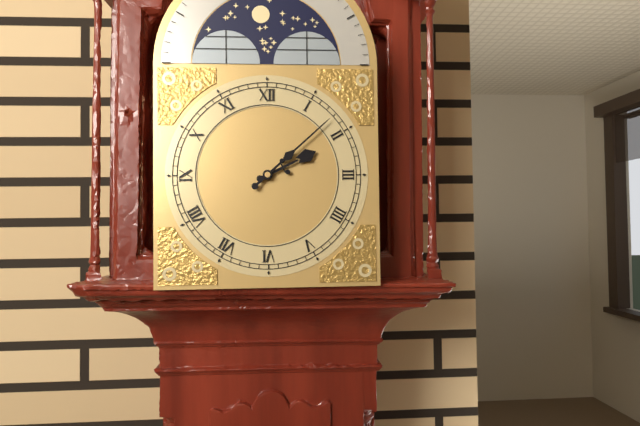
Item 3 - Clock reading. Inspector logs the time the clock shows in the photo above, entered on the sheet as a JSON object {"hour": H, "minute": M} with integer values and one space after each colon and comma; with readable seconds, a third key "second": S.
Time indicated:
{"hour": 2, "minute": 8}
